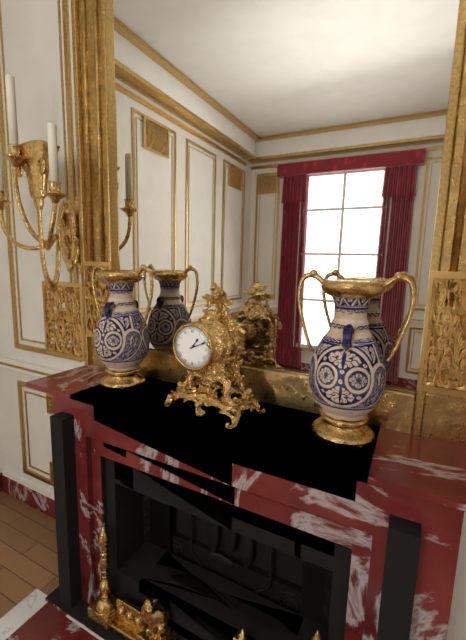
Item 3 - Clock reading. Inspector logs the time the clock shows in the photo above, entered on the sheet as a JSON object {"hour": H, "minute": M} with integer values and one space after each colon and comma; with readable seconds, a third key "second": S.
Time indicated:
{"hour": 1, "minute": 11}
